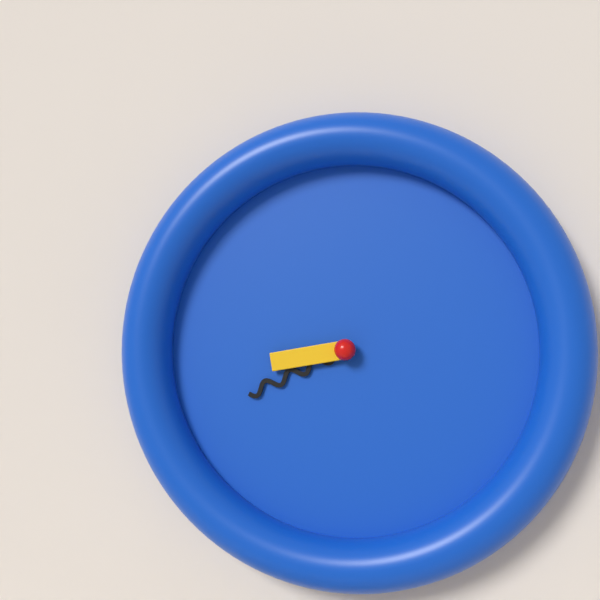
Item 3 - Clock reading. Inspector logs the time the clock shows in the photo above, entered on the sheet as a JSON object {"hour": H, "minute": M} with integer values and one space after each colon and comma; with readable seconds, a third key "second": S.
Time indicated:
{"hour": 8, "minute": 41}
